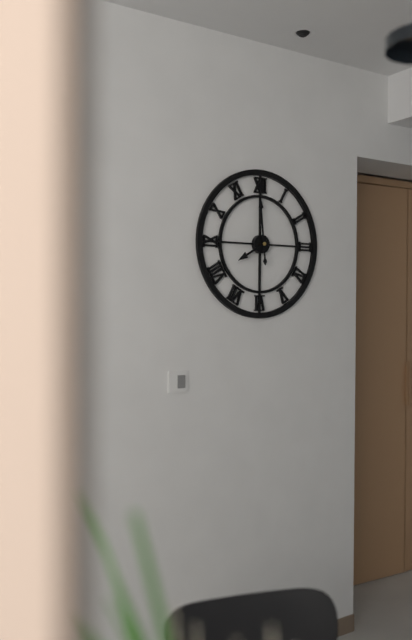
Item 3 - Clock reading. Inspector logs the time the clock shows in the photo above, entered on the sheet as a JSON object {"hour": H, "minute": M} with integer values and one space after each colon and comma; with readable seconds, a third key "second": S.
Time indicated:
{"hour": 7, "minute": 59}
